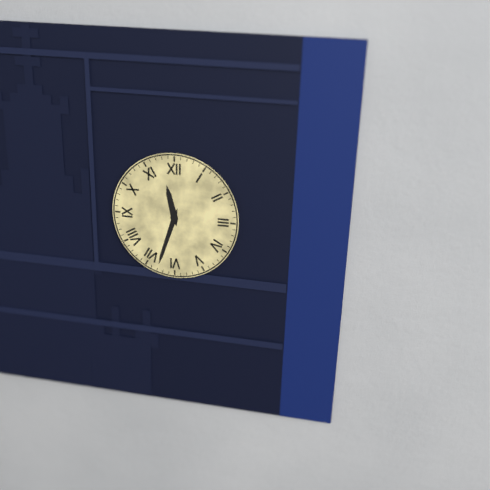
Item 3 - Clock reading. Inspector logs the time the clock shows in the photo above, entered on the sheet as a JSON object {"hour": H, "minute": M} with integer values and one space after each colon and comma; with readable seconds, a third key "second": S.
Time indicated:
{"hour": 11, "minute": 33}
